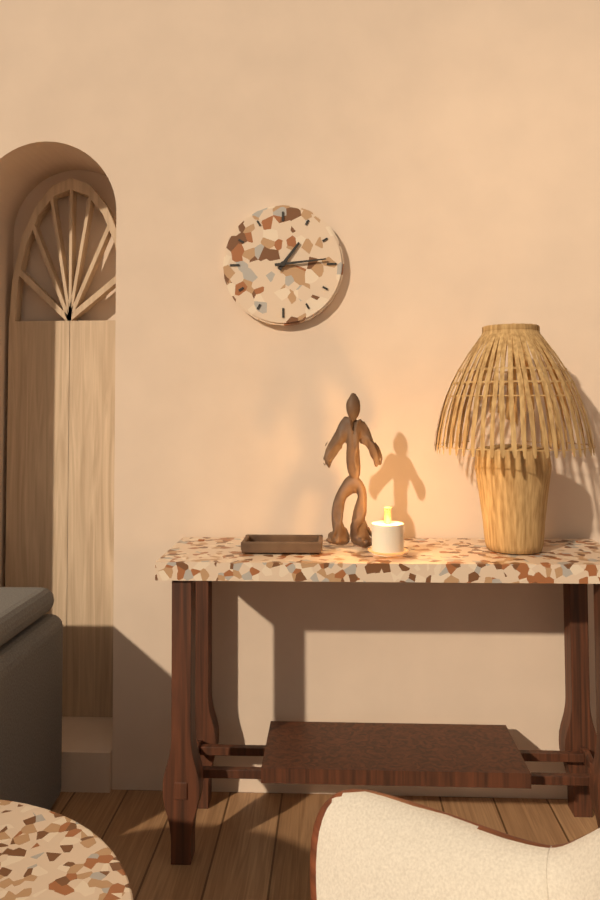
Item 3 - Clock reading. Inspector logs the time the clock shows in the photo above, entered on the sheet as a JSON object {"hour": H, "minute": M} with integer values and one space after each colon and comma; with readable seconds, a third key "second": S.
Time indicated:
{"hour": 1, "minute": 14}
